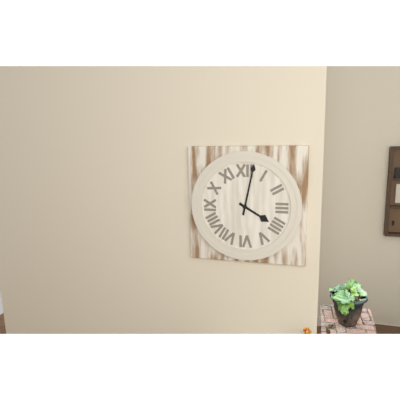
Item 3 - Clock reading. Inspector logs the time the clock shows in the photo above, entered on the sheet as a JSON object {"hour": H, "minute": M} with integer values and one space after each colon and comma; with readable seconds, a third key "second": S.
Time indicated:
{"hour": 4, "minute": 2}
